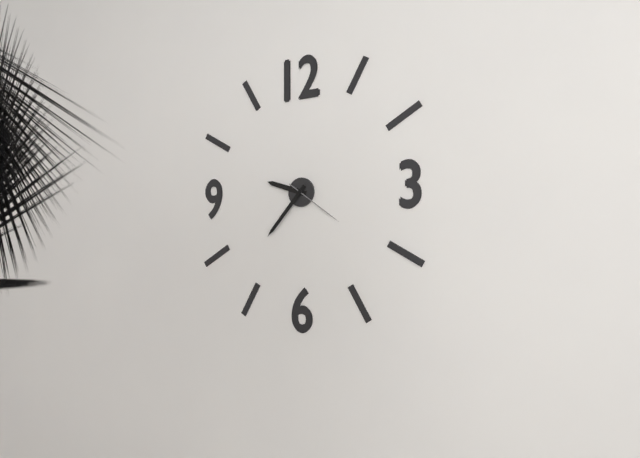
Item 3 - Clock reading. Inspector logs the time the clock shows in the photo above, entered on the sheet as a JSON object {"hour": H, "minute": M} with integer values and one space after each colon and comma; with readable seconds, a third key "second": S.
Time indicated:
{"hour": 9, "minute": 37, "second": 21}
